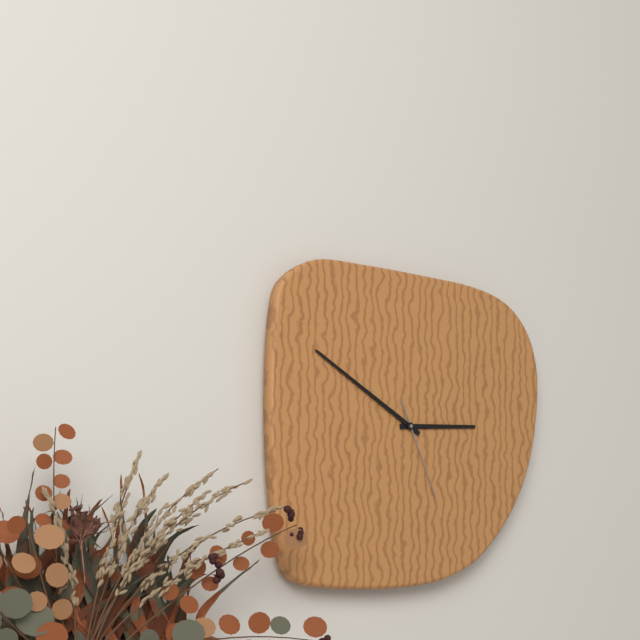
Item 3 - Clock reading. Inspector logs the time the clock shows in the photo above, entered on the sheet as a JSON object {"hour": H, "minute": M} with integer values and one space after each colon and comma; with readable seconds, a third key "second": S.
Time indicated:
{"hour": 2, "minute": 50, "second": 26}
